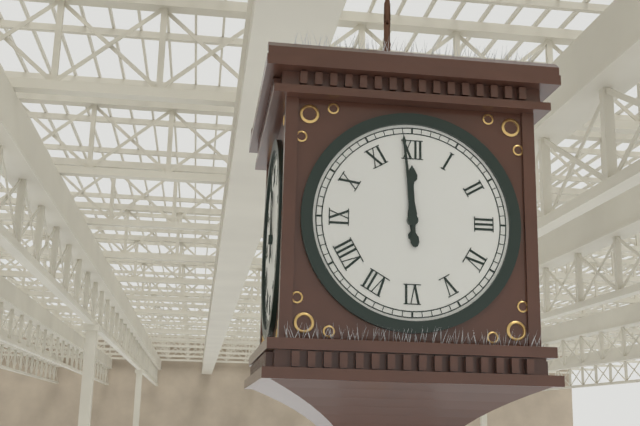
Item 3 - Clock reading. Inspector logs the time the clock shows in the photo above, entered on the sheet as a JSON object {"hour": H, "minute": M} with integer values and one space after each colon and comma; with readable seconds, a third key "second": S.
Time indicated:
{"hour": 11, "minute": 59}
